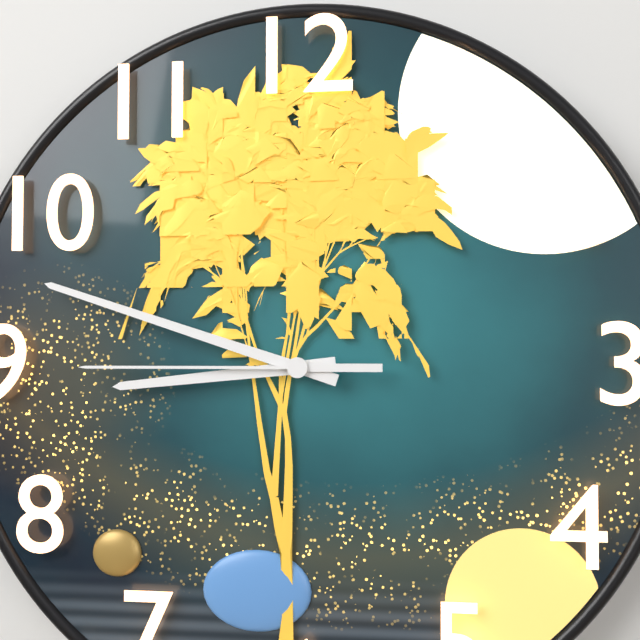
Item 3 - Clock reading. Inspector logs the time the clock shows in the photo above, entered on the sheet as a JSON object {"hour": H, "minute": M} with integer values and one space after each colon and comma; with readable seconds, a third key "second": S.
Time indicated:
{"hour": 8, "minute": 48, "second": 45}
